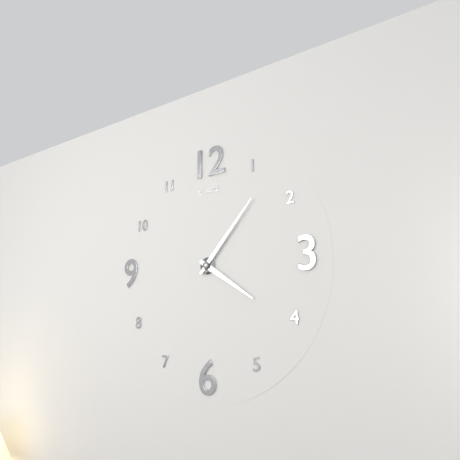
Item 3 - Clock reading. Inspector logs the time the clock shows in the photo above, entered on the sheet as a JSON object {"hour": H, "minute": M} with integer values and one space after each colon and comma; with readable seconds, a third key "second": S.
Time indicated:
{"hour": 4, "minute": 7}
